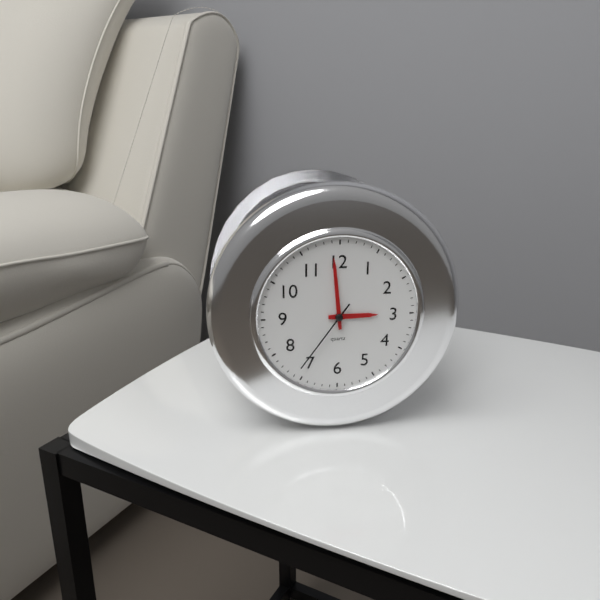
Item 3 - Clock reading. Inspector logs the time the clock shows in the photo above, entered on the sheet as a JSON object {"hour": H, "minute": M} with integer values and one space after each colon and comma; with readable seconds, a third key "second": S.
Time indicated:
{"hour": 2, "minute": 59, "second": 36}
